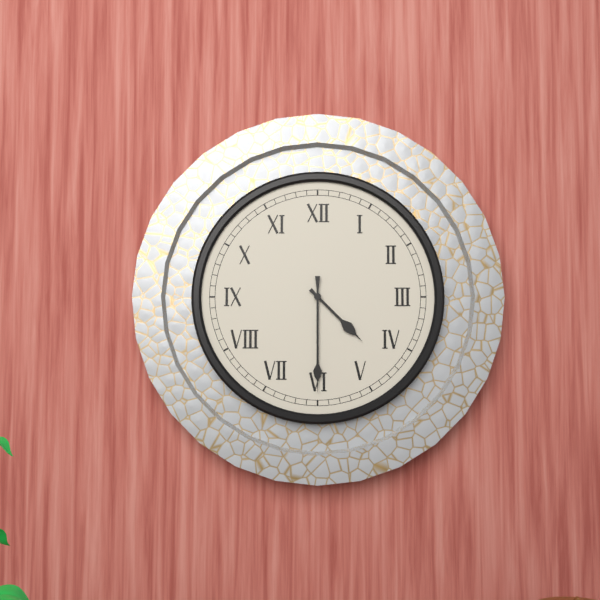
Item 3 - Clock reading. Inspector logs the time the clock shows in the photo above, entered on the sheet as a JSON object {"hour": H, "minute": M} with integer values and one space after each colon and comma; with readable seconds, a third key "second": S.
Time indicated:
{"hour": 4, "minute": 30}
